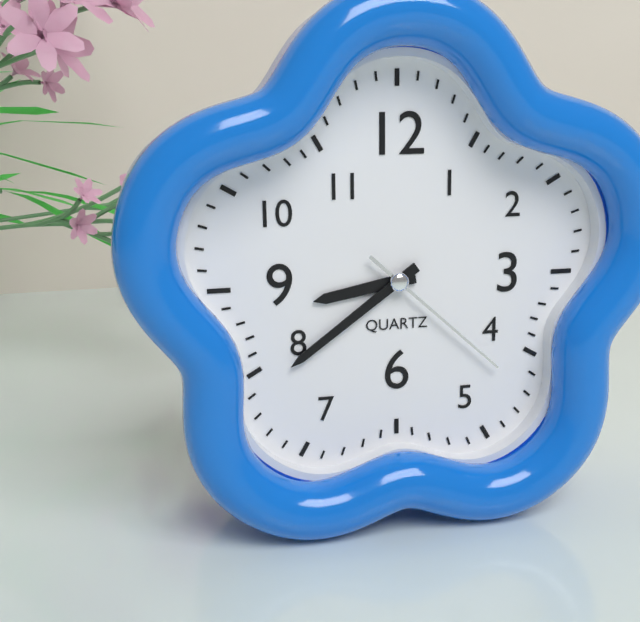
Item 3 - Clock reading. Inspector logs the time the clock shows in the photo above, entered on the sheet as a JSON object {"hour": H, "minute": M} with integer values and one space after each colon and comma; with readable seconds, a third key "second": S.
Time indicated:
{"hour": 8, "minute": 39, "second": 22}
